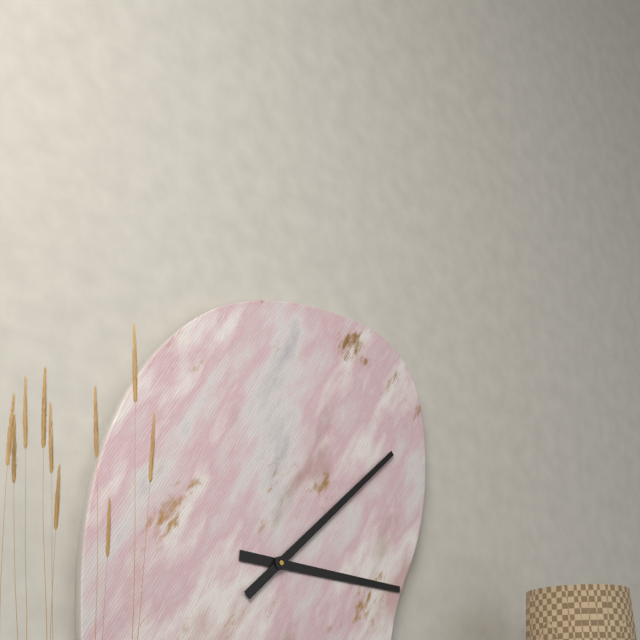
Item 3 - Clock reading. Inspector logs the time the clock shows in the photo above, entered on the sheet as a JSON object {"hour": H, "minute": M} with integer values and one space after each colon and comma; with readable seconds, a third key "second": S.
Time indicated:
{"hour": 3, "minute": 8}
